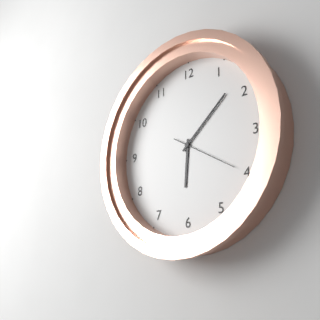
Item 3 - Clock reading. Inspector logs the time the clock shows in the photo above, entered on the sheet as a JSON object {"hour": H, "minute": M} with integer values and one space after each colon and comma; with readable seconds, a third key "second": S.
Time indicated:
{"hour": 6, "minute": 8, "second": 20}
